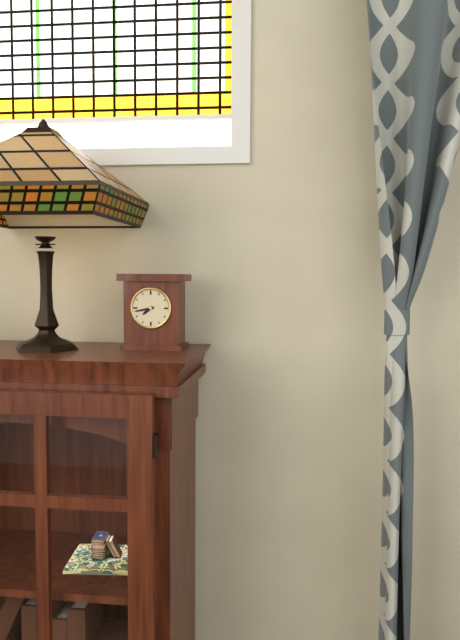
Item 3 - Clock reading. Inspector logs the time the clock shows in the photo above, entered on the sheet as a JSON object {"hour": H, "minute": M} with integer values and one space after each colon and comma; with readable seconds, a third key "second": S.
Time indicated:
{"hour": 7, "minute": 43}
